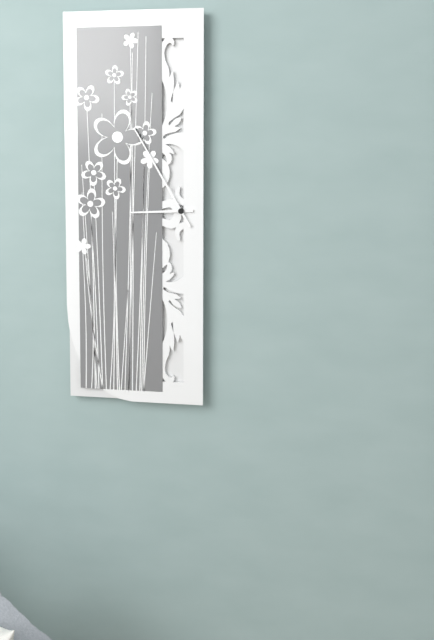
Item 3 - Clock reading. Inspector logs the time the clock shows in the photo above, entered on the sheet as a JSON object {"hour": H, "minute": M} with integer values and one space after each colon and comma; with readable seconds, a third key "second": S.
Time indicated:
{"hour": 8, "minute": 55}
